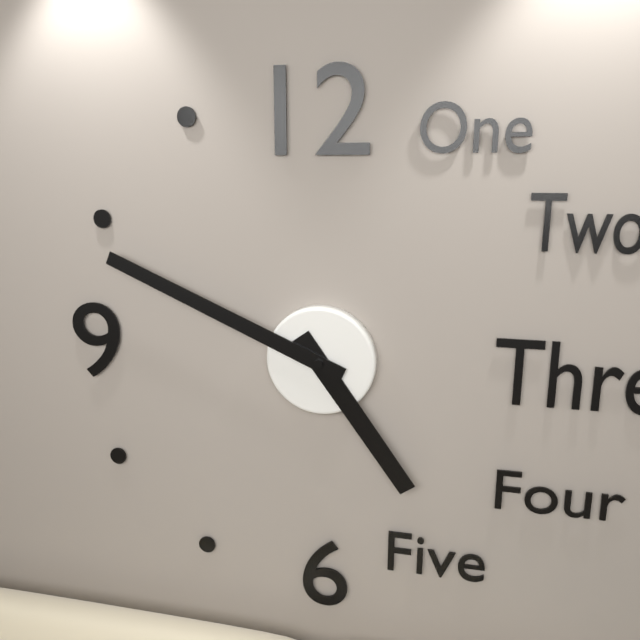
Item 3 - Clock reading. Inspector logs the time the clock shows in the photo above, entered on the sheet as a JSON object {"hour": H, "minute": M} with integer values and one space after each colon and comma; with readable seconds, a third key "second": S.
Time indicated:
{"hour": 4, "minute": 49}
